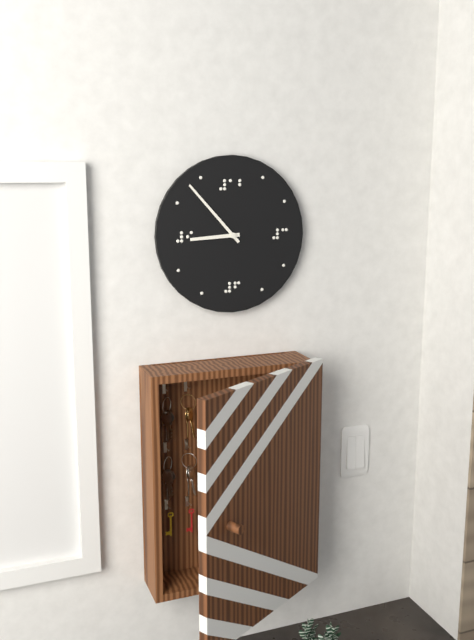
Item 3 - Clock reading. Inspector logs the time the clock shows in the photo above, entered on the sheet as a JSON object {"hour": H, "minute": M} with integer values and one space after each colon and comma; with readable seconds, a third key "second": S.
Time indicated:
{"hour": 8, "minute": 53}
